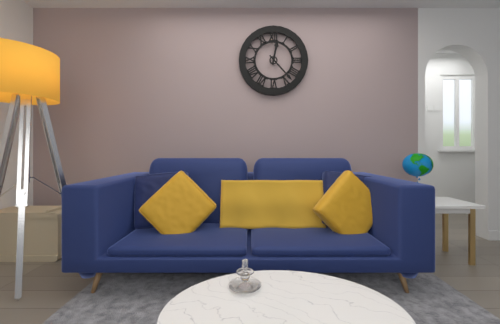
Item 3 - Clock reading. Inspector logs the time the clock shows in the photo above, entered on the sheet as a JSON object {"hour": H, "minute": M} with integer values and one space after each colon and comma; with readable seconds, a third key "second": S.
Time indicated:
{"hour": 12, "minute": 23}
